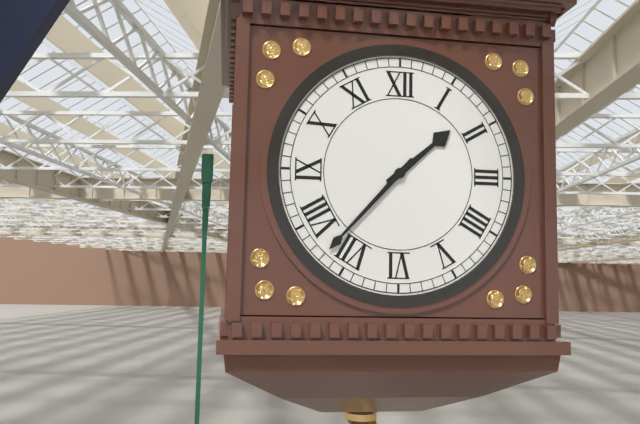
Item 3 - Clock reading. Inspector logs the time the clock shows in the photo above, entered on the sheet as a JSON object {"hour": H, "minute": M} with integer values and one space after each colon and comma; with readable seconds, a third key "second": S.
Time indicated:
{"hour": 1, "minute": 37}
